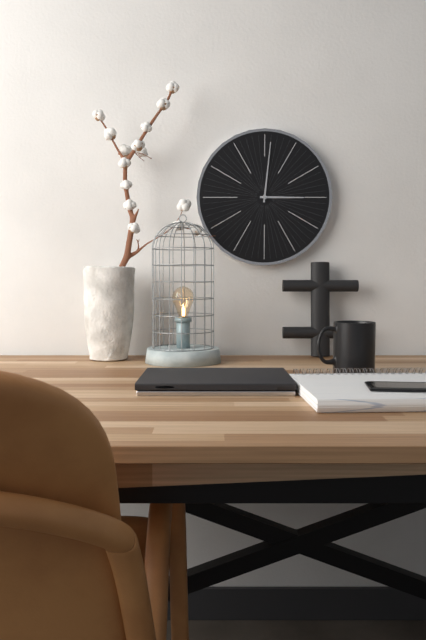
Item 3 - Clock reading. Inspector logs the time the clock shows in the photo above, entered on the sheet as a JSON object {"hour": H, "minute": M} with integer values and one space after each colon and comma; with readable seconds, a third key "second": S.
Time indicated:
{"hour": 3, "minute": 1}
